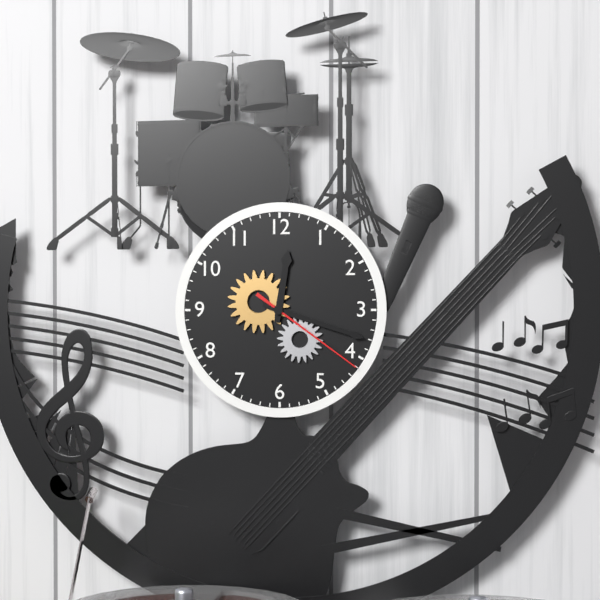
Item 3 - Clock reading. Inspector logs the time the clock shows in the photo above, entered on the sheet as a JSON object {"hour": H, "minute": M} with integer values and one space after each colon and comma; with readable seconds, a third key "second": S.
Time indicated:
{"hour": 12, "minute": 18, "second": 21}
